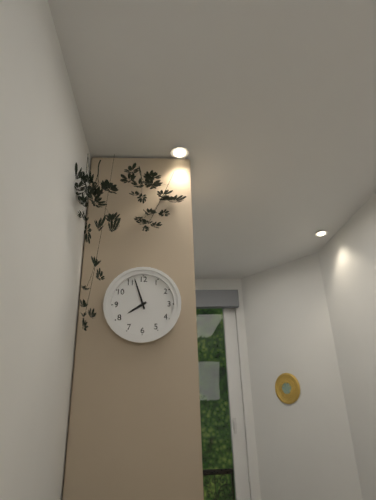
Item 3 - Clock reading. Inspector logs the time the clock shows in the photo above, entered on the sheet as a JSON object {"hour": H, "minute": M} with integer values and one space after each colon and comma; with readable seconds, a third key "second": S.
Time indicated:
{"hour": 7, "minute": 57}
